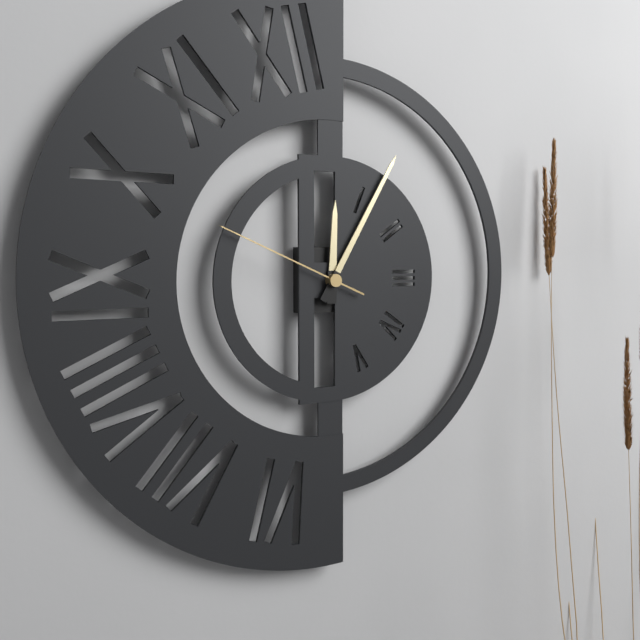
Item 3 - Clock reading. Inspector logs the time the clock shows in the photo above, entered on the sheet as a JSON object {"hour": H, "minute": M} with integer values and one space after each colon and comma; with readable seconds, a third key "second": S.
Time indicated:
{"hour": 12, "minute": 5, "second": 49}
